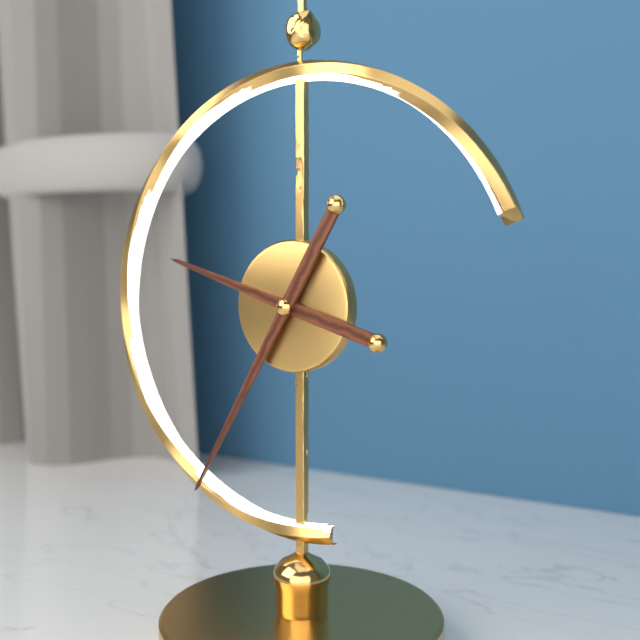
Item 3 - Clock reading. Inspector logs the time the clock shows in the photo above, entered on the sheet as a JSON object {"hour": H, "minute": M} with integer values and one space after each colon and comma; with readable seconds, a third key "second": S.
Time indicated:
{"hour": 9, "minute": 35}
